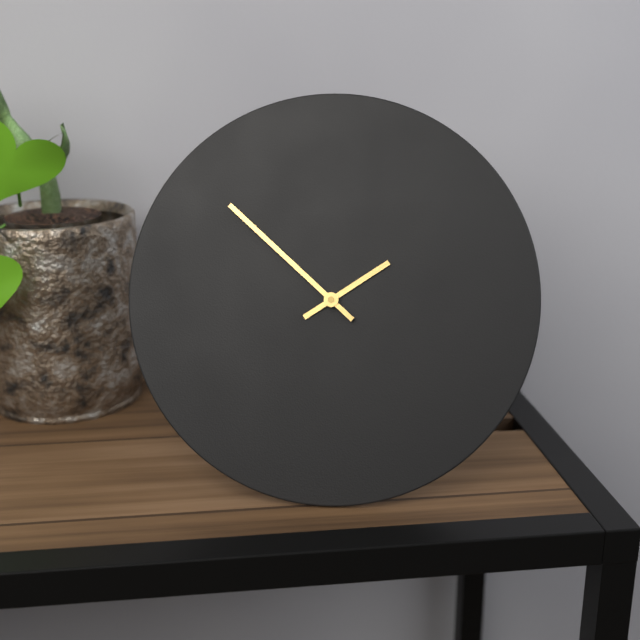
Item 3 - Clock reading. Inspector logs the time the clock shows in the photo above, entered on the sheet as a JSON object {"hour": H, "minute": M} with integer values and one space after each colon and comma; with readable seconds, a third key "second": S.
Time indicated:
{"hour": 1, "minute": 52}
